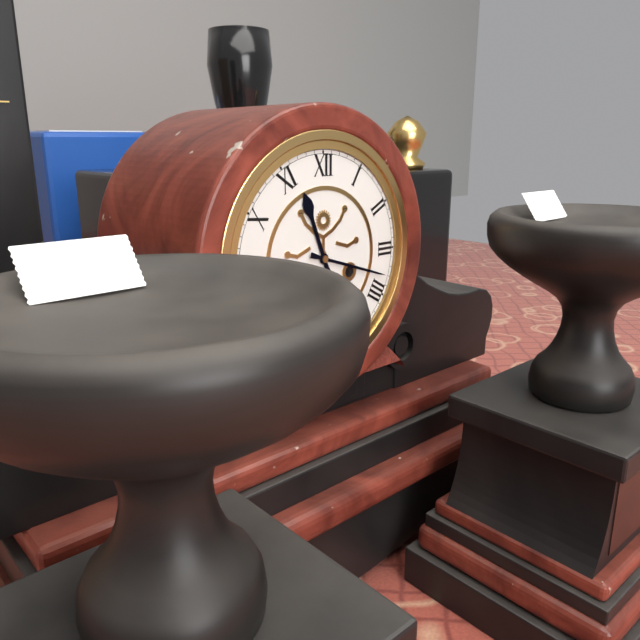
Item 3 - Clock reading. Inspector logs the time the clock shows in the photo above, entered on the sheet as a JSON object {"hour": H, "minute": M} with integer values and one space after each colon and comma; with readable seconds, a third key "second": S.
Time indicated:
{"hour": 11, "minute": 18}
